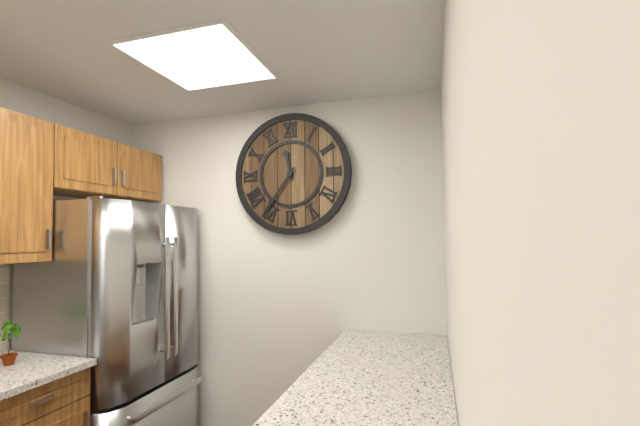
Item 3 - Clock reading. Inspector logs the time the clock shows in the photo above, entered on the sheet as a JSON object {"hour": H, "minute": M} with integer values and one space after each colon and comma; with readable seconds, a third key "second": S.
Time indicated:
{"hour": 11, "minute": 36}
